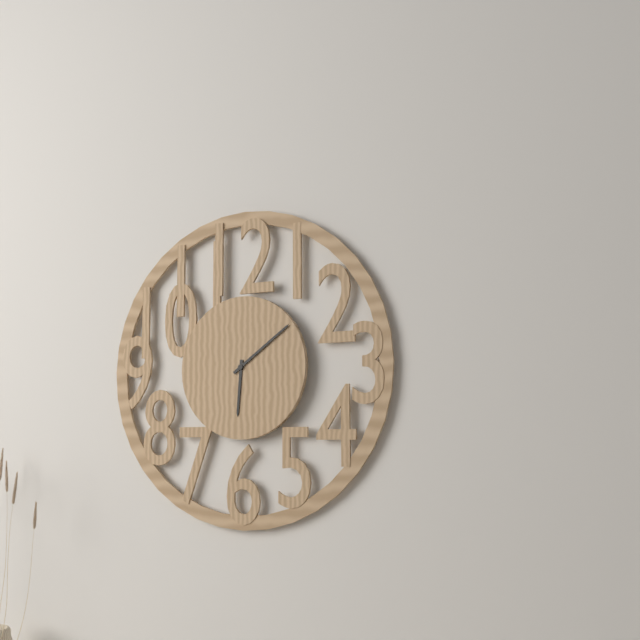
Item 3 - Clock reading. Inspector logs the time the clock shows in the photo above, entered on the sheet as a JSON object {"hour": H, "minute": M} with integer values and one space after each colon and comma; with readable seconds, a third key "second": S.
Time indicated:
{"hour": 6, "minute": 9}
